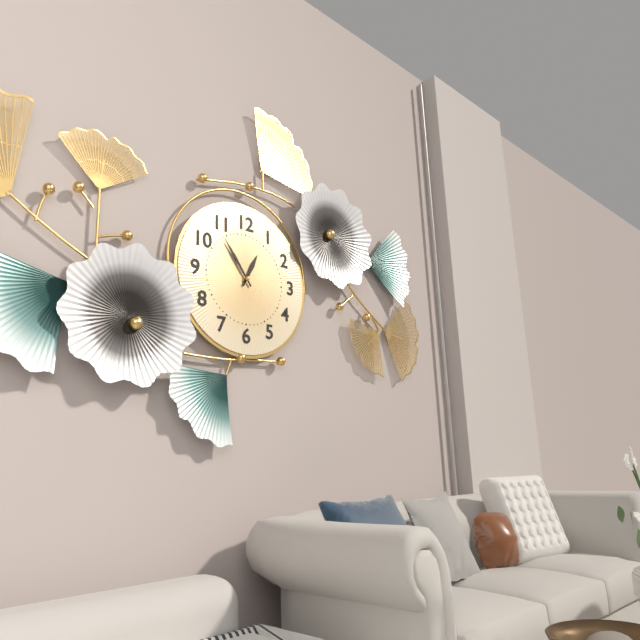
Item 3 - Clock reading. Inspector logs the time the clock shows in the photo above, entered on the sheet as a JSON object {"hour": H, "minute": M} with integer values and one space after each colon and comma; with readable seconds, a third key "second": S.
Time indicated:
{"hour": 12, "minute": 54}
